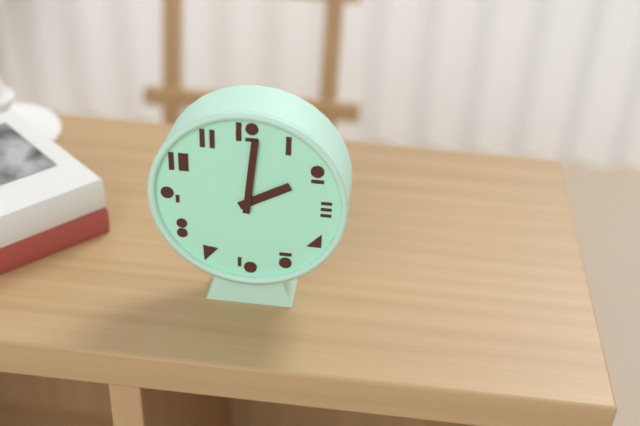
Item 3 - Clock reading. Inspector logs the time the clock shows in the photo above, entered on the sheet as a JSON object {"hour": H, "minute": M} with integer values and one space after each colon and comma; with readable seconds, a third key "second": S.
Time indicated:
{"hour": 2, "minute": 1}
